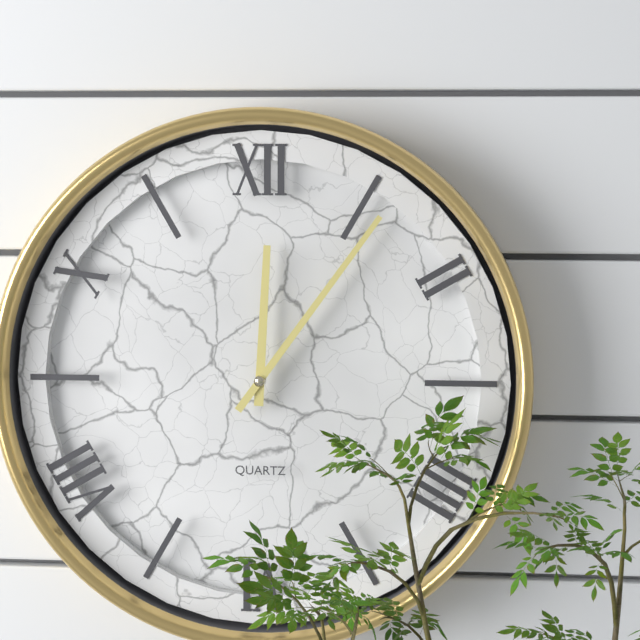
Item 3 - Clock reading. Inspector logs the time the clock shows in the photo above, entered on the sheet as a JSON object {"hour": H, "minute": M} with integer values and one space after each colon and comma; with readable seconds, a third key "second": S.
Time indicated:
{"hour": 12, "minute": 6}
